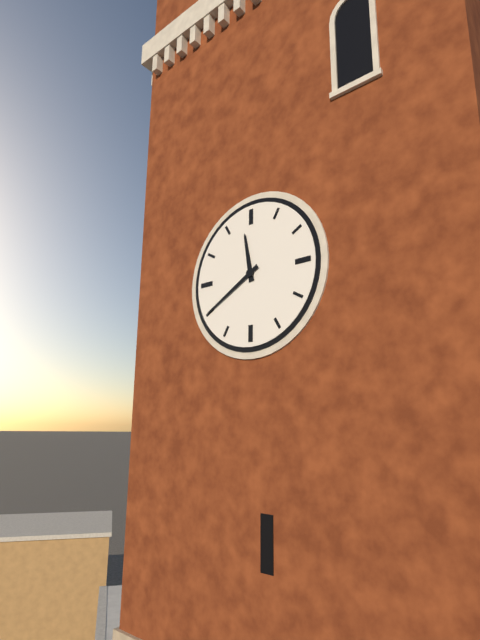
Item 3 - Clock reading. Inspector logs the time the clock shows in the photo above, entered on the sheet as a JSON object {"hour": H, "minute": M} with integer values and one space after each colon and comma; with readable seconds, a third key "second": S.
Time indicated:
{"hour": 11, "minute": 40}
